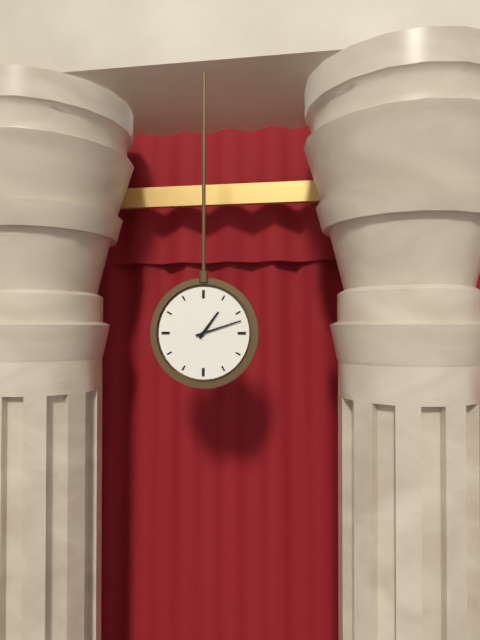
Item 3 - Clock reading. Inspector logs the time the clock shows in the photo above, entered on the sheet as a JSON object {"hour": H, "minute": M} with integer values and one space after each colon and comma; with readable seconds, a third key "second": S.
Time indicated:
{"hour": 1, "minute": 12}
